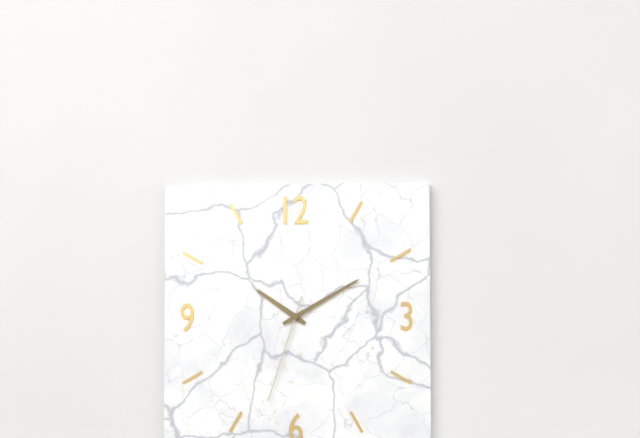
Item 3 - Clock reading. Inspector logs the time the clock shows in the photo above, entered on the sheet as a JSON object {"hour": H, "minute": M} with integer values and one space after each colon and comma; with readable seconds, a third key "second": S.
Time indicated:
{"hour": 10, "minute": 10, "second": 33}
